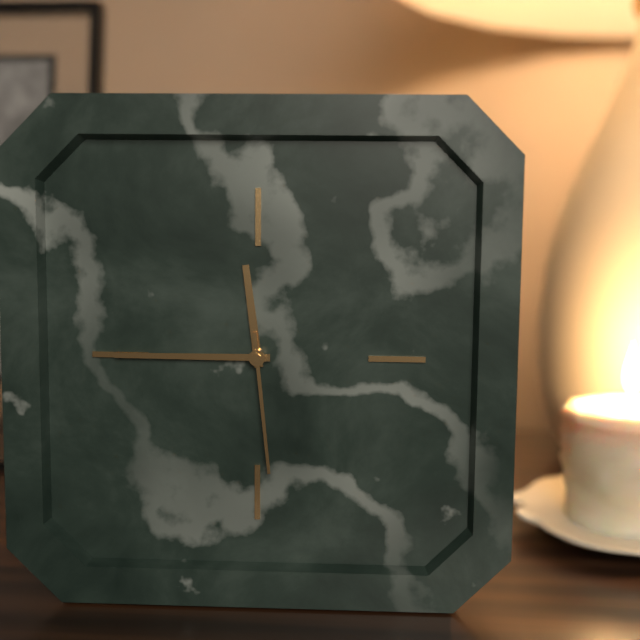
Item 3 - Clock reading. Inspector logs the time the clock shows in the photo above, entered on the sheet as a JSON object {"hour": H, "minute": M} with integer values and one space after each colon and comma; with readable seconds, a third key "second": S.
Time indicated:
{"hour": 11, "minute": 45, "second": 29}
